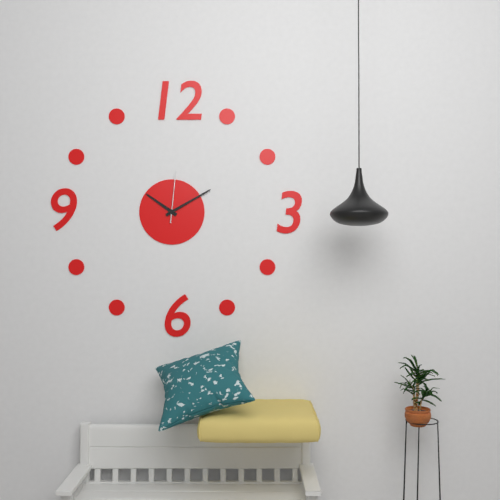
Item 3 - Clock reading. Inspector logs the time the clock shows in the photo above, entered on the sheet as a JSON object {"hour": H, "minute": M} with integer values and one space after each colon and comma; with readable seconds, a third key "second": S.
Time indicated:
{"hour": 10, "minute": 10, "second": 1}
